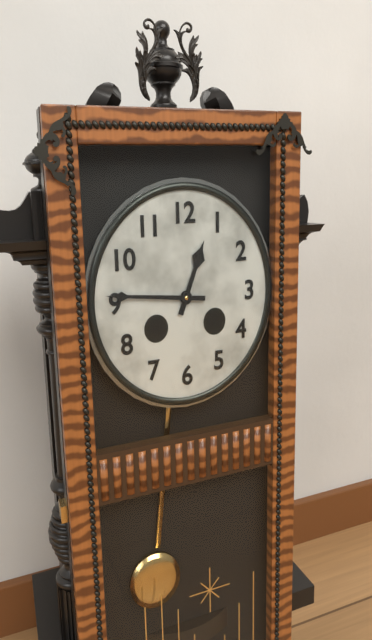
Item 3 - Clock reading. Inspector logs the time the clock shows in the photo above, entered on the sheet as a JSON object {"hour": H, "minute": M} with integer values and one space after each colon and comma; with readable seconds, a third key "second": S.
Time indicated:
{"hour": 12, "minute": 46}
